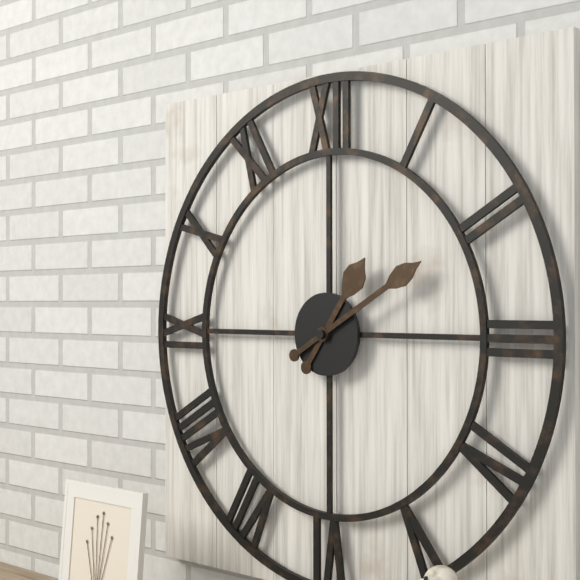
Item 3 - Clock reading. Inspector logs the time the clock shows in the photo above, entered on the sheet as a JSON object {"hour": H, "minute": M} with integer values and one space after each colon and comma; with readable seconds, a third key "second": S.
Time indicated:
{"hour": 1, "minute": 10}
